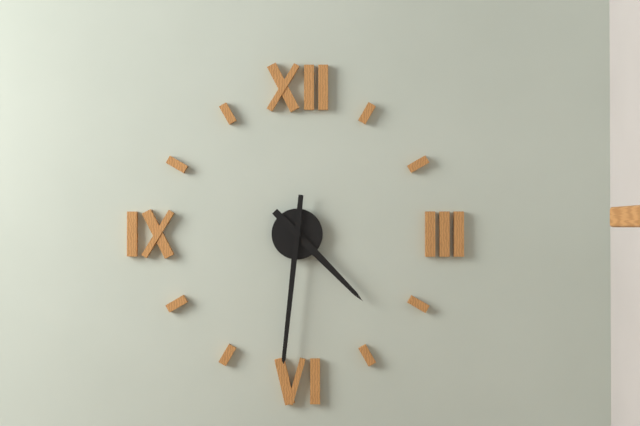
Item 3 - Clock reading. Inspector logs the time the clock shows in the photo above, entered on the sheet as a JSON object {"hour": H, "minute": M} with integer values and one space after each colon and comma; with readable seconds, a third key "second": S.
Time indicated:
{"hour": 4, "minute": 31}
